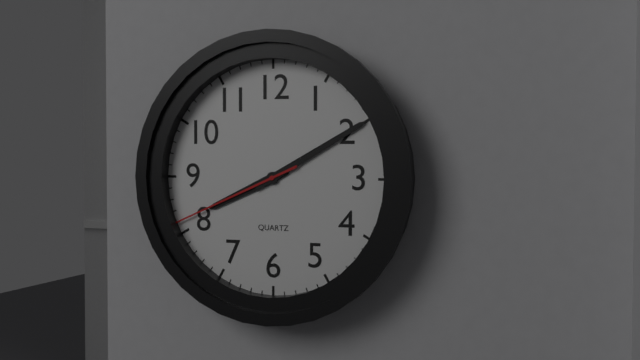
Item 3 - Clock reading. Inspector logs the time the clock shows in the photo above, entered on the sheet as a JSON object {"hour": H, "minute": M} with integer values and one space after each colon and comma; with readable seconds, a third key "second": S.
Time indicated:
{"hour": 8, "minute": 10, "second": 41}
